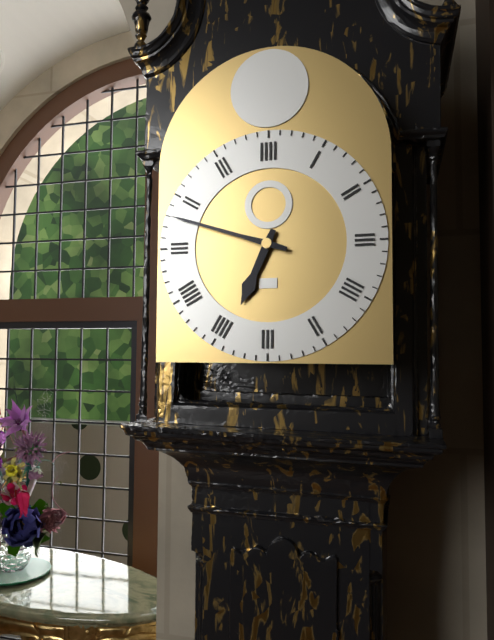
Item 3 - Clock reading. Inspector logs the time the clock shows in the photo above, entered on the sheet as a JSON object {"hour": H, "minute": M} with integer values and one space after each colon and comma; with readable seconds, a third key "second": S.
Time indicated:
{"hour": 6, "minute": 48}
